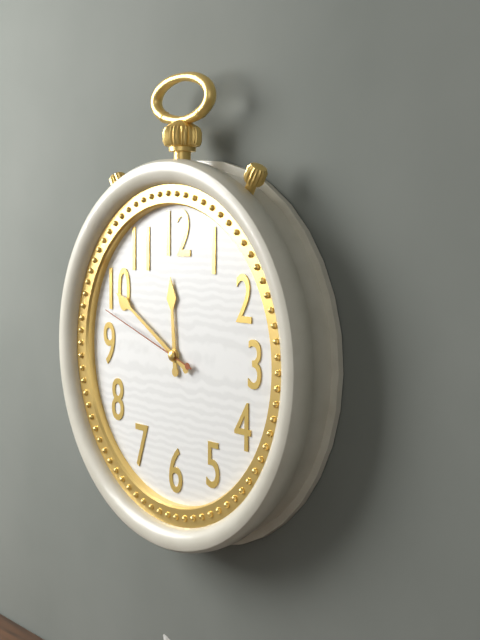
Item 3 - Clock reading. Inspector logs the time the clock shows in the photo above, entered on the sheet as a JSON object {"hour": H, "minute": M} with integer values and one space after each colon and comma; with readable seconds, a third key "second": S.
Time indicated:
{"hour": 11, "minute": 50, "second": 48}
